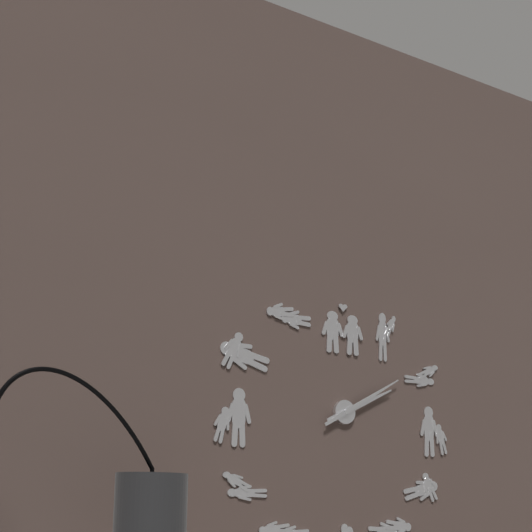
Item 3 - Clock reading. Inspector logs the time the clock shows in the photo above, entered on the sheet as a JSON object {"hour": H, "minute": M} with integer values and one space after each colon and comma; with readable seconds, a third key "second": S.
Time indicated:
{"hour": 2, "minute": 10}
